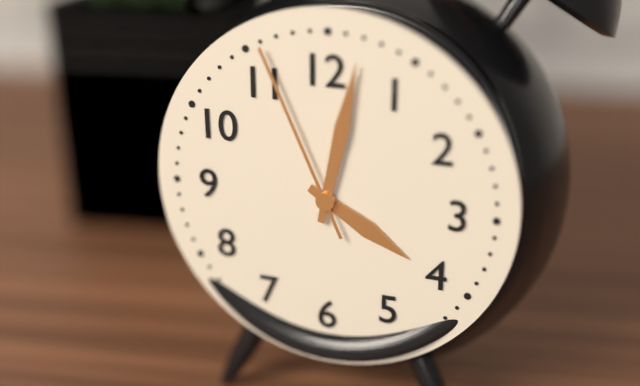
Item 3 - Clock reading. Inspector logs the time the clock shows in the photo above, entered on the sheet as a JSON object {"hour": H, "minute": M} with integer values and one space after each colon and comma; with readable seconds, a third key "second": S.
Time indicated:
{"hour": 4, "minute": 2, "second": 56}
